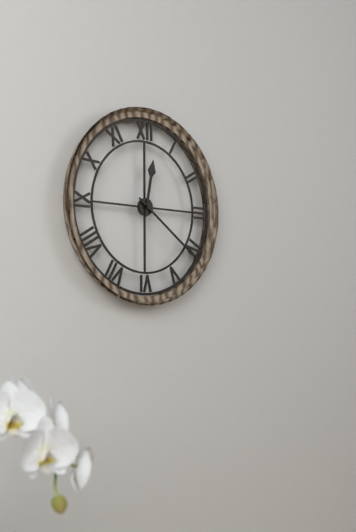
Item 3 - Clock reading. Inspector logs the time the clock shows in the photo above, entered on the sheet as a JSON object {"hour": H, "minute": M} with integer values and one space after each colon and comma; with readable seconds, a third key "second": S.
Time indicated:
{"hour": 12, "minute": 21}
